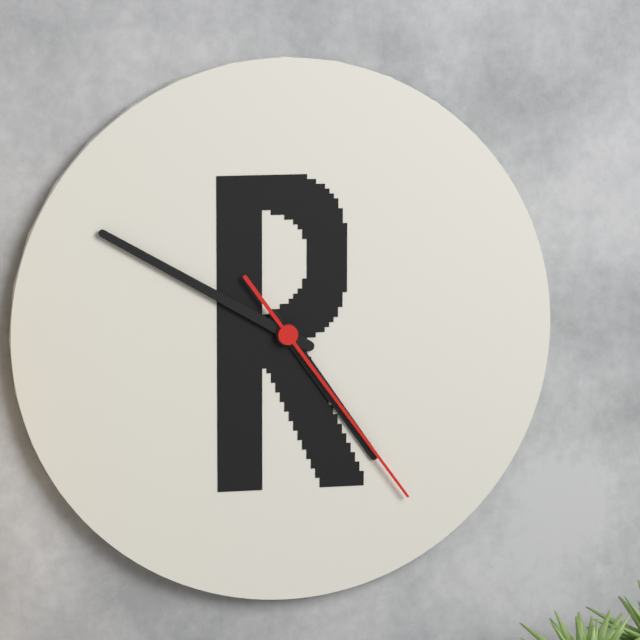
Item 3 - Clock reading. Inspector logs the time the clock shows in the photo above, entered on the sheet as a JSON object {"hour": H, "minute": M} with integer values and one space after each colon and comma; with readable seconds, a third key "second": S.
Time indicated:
{"hour": 4, "minute": 50, "second": 24}
